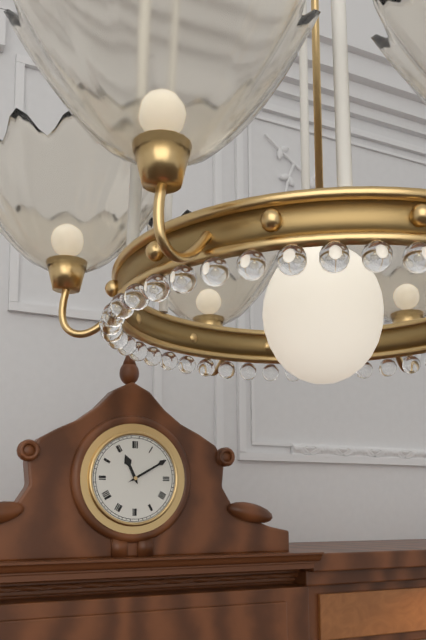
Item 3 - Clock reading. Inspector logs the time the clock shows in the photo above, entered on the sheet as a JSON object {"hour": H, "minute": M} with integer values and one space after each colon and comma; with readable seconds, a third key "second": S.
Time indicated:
{"hour": 11, "minute": 10}
